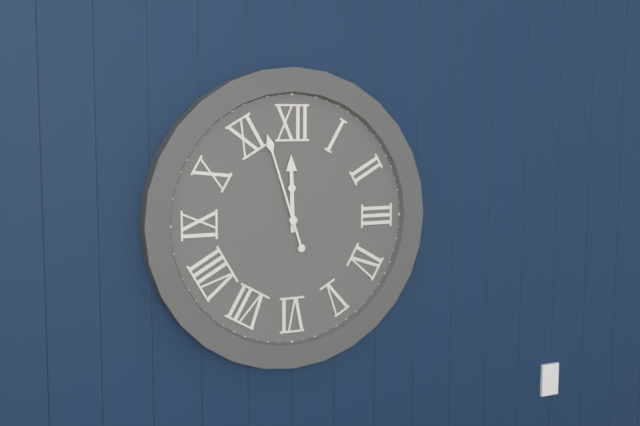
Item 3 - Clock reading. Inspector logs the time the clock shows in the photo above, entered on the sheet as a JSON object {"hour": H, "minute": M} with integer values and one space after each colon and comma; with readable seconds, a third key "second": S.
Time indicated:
{"hour": 11, "minute": 57}
